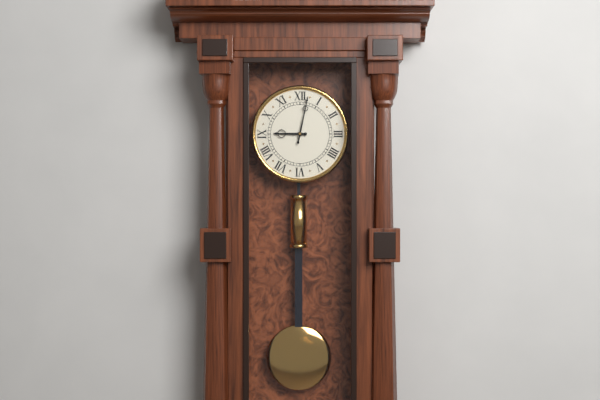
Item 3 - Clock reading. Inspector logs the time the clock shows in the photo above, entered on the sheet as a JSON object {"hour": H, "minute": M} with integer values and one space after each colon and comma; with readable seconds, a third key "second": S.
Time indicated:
{"hour": 9, "minute": 2}
